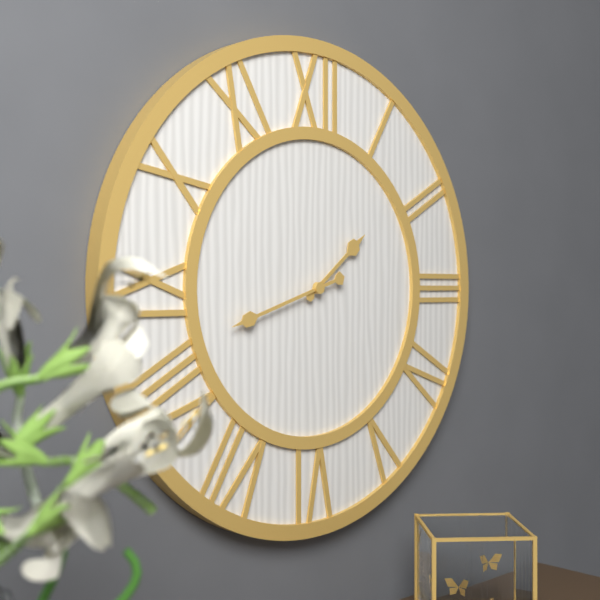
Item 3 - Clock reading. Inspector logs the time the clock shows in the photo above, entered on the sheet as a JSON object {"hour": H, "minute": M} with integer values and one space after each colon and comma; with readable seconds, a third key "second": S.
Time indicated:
{"hour": 1, "minute": 42}
